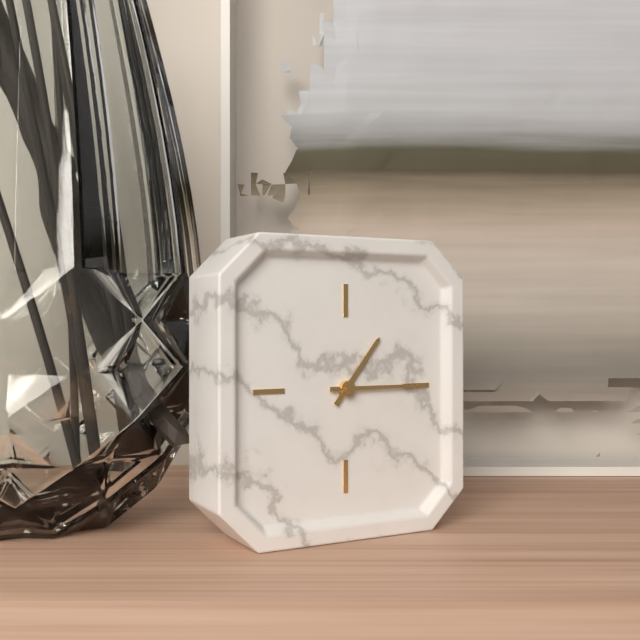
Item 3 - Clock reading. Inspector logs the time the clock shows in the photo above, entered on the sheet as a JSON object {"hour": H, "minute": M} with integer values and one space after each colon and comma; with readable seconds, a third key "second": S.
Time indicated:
{"hour": 1, "minute": 15}
